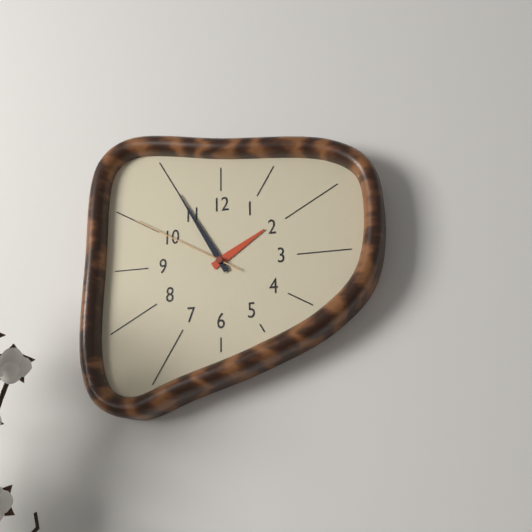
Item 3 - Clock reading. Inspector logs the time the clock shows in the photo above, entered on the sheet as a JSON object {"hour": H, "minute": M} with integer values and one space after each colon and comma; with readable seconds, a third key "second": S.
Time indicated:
{"hour": 1, "minute": 55, "second": 50}
